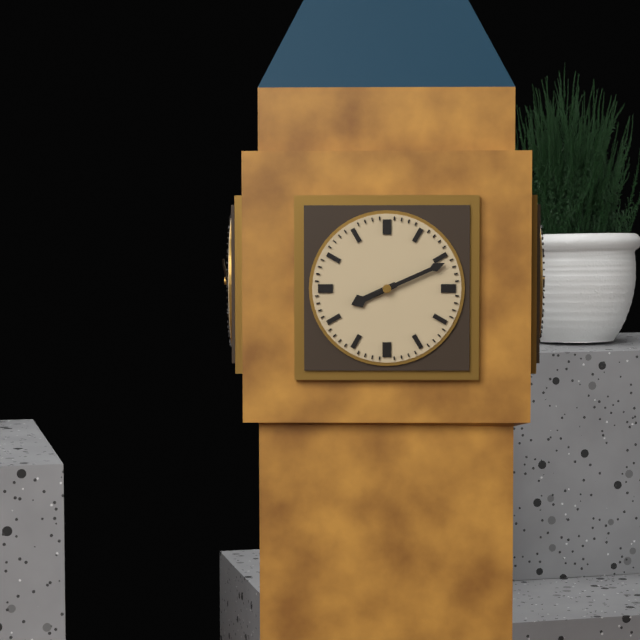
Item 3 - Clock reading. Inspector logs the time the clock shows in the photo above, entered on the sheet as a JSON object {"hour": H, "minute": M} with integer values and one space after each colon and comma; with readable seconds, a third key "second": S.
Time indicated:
{"hour": 8, "minute": 11}
